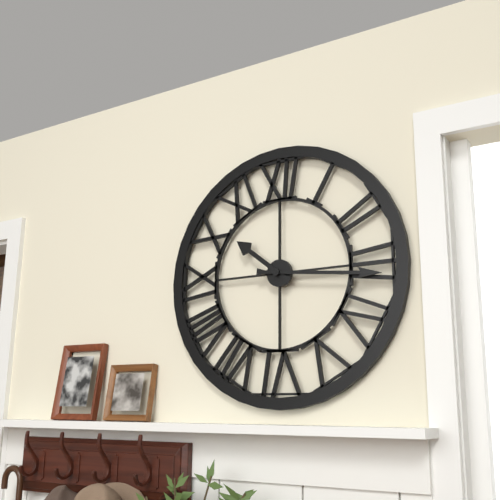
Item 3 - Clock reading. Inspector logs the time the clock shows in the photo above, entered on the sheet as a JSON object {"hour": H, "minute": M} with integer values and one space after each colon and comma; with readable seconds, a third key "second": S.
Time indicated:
{"hour": 10, "minute": 16}
